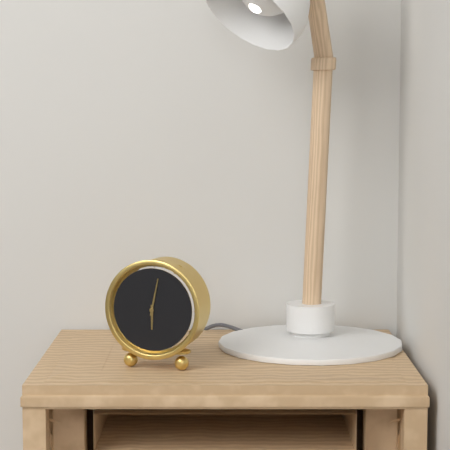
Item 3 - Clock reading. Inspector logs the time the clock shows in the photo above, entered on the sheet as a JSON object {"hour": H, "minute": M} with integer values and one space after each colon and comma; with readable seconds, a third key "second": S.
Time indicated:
{"hour": 6, "minute": 2}
